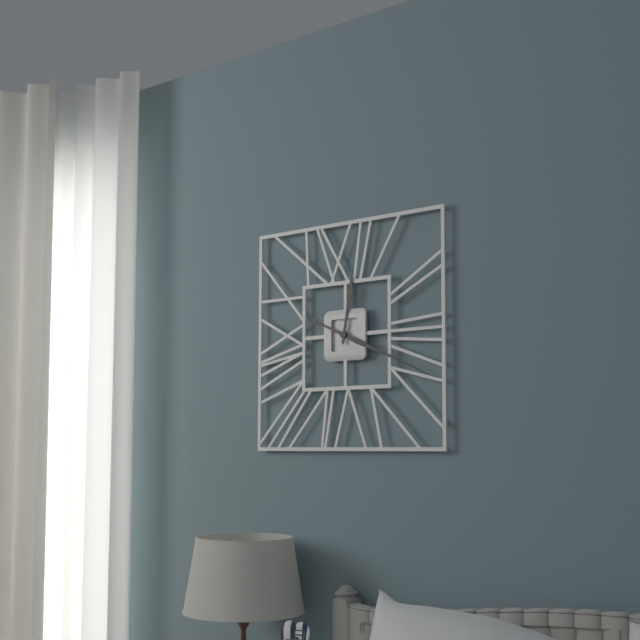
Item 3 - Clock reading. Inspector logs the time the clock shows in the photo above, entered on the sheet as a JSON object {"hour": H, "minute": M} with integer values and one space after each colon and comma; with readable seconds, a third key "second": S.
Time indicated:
{"hour": 12, "minute": 19}
